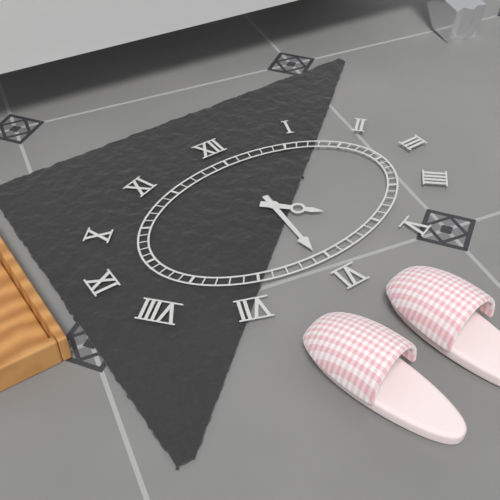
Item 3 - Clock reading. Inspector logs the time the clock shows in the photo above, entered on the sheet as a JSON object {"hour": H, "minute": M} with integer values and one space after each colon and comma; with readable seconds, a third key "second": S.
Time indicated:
{"hour": 4, "minute": 31}
